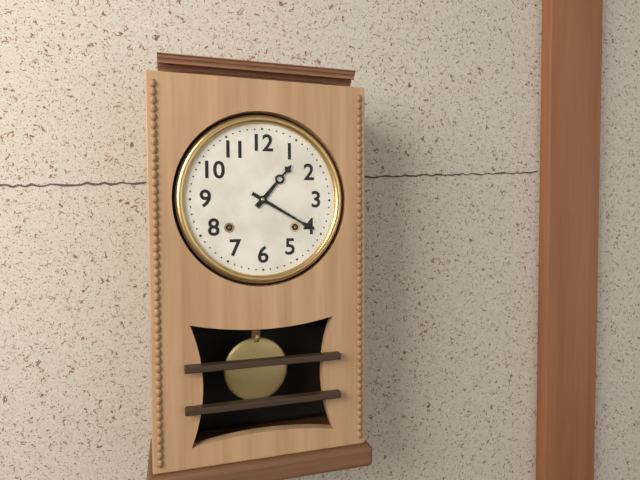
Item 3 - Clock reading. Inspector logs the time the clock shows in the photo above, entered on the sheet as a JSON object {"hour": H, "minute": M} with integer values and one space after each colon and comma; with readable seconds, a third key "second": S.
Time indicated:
{"hour": 1, "minute": 20}
